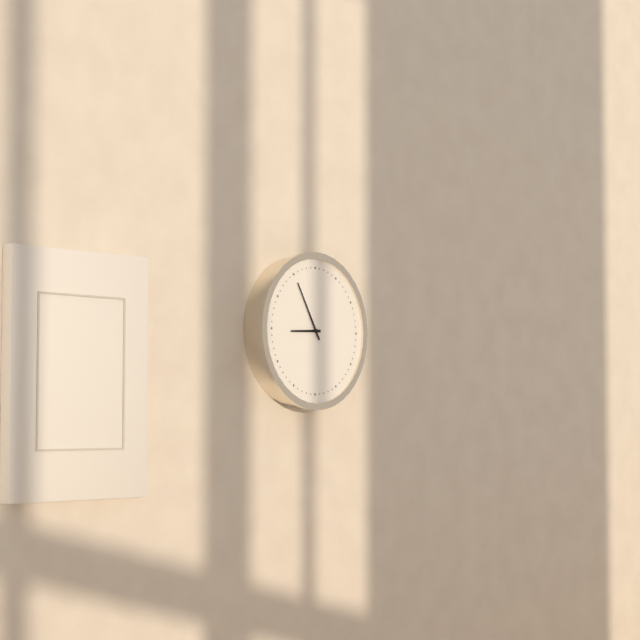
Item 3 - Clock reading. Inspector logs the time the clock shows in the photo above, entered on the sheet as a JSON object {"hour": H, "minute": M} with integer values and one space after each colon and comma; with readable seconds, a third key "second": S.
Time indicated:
{"hour": 8, "minute": 55}
